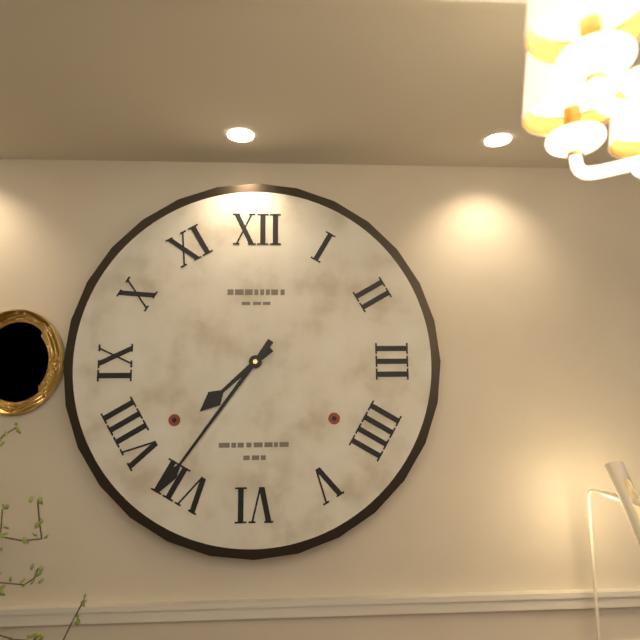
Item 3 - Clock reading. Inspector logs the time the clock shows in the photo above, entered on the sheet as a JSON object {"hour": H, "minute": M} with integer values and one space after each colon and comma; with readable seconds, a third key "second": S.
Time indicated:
{"hour": 7, "minute": 36}
